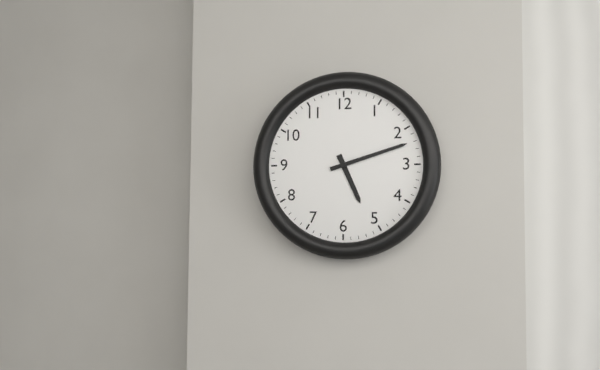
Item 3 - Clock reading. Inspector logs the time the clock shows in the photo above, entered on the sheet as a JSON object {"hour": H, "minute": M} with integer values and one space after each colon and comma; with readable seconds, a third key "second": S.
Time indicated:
{"hour": 5, "minute": 12}
